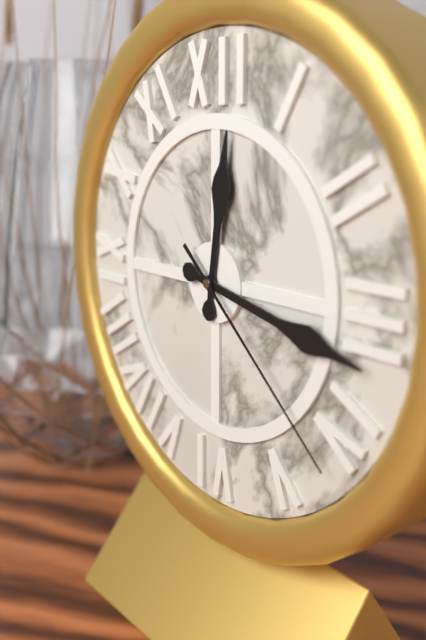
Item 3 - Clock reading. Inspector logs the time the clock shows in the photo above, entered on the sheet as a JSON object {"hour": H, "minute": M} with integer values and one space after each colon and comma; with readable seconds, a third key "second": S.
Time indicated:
{"hour": 12, "minute": 17, "second": 22}
